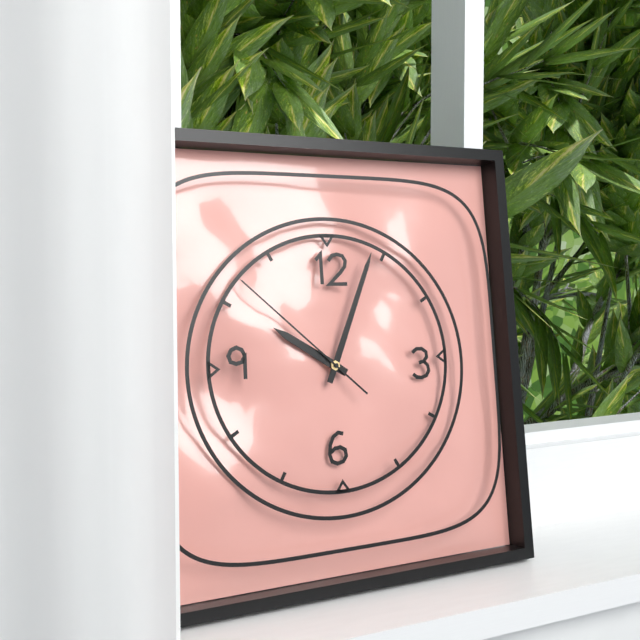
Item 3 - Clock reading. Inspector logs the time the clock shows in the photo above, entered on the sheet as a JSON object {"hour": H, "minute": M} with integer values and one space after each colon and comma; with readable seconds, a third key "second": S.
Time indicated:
{"hour": 10, "minute": 4, "second": 52}
